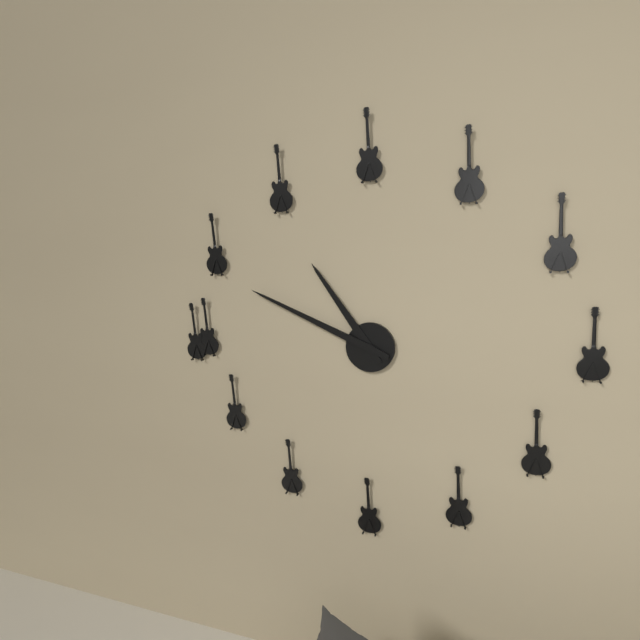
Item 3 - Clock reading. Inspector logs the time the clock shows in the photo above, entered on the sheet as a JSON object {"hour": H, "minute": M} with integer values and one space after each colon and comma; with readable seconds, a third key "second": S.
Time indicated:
{"hour": 10, "minute": 49}
